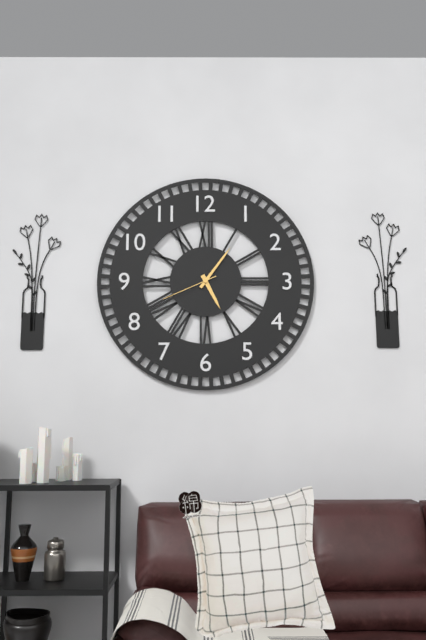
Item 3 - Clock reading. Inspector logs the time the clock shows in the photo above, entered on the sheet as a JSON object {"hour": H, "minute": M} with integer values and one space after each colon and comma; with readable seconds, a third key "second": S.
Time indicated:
{"hour": 5, "minute": 6, "second": 41}
